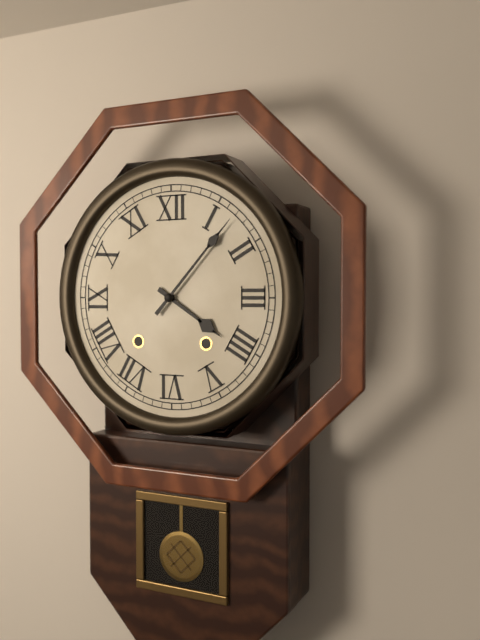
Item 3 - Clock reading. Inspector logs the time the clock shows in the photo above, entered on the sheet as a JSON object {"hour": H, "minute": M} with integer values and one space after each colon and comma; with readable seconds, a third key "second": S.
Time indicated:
{"hour": 4, "minute": 7}
